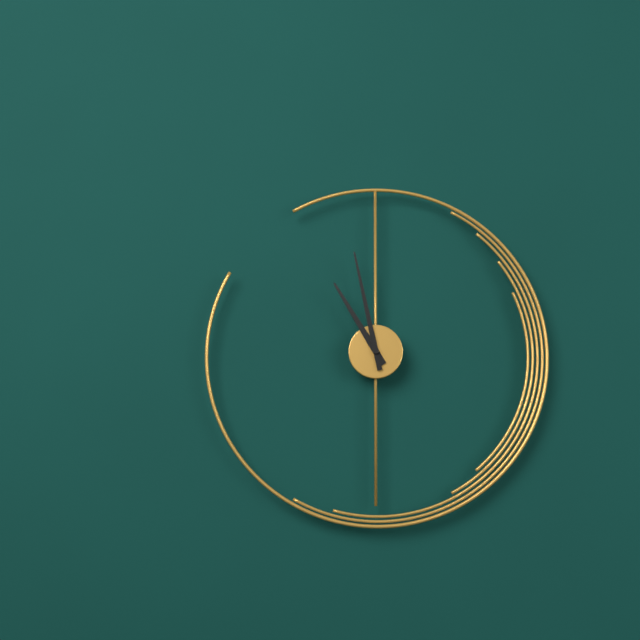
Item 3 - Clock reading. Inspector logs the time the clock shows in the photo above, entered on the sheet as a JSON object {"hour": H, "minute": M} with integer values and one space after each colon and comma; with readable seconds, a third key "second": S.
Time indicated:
{"hour": 10, "minute": 58}
